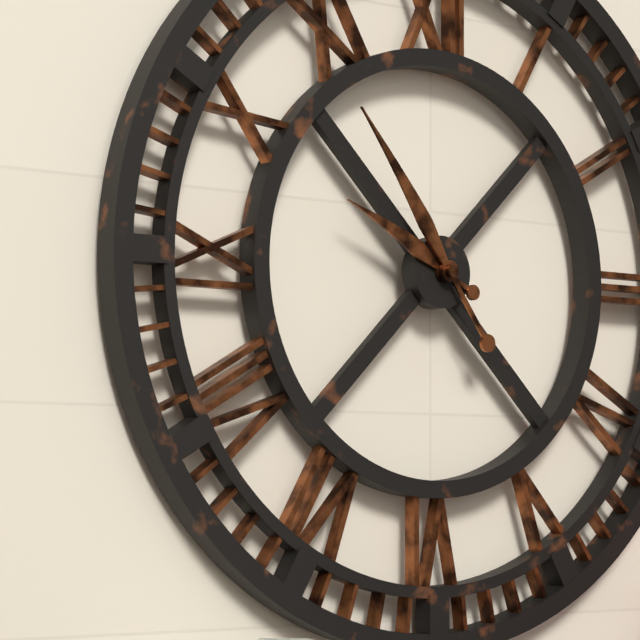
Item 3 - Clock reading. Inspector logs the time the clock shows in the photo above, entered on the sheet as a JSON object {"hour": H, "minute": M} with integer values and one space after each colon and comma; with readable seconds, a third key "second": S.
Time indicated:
{"hour": 9, "minute": 54}
